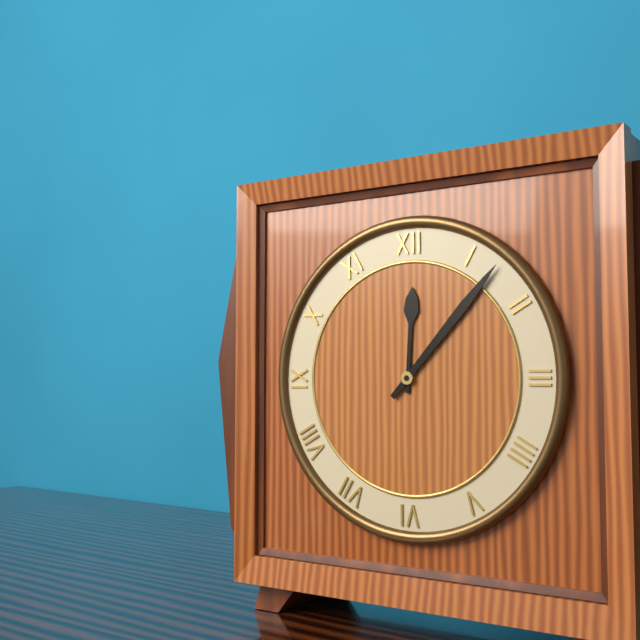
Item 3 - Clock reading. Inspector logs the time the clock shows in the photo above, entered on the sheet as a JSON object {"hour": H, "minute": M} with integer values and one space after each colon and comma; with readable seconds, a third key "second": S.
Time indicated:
{"hour": 12, "minute": 7}
